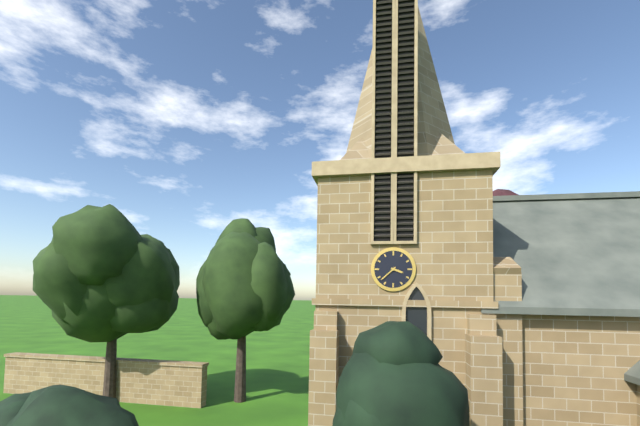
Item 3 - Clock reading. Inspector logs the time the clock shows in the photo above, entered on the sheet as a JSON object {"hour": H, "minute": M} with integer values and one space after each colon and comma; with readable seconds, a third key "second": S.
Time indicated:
{"hour": 3, "minute": 38}
